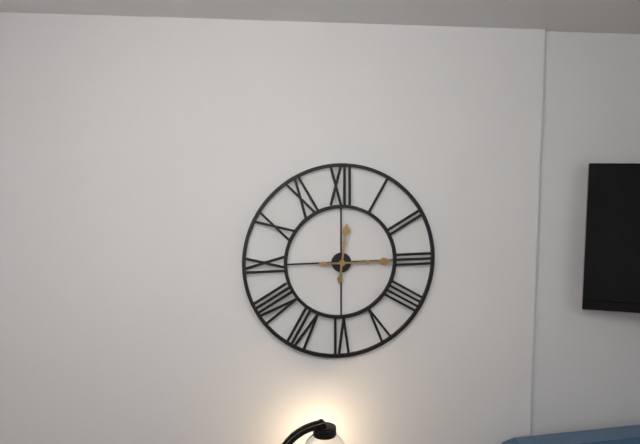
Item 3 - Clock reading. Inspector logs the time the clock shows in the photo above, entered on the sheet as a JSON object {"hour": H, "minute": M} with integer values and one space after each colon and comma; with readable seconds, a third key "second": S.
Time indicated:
{"hour": 12, "minute": 15}
